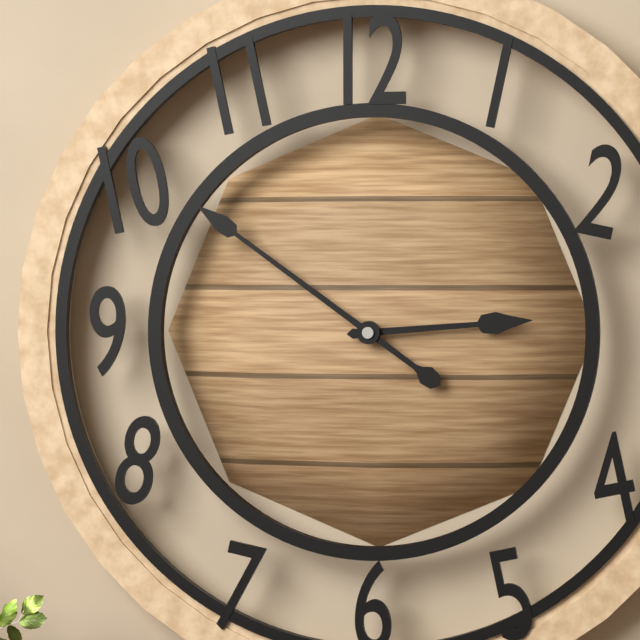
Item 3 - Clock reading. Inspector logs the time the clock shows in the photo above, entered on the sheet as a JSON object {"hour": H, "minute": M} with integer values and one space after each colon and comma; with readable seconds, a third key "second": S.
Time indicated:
{"hour": 2, "minute": 51}
